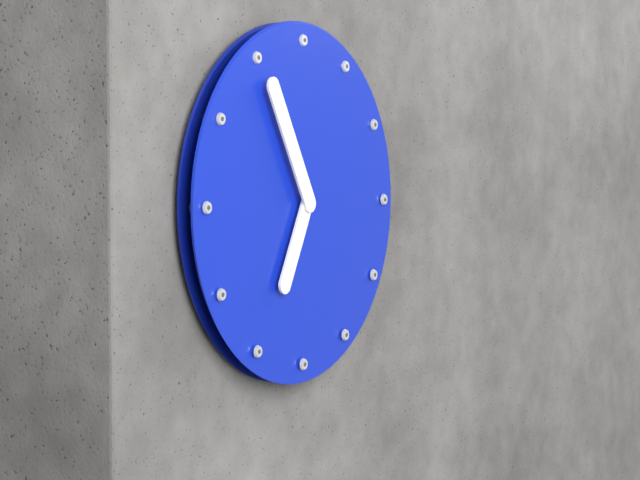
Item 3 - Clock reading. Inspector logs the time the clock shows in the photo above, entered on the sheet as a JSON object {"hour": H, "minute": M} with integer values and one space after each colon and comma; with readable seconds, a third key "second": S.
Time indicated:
{"hour": 6, "minute": 55}
